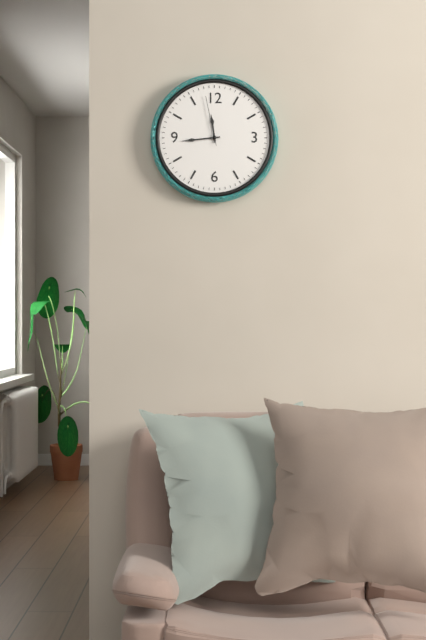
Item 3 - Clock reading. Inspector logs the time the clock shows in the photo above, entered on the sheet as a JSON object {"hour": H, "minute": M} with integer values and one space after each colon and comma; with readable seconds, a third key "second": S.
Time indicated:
{"hour": 11, "minute": 44, "second": 58}
